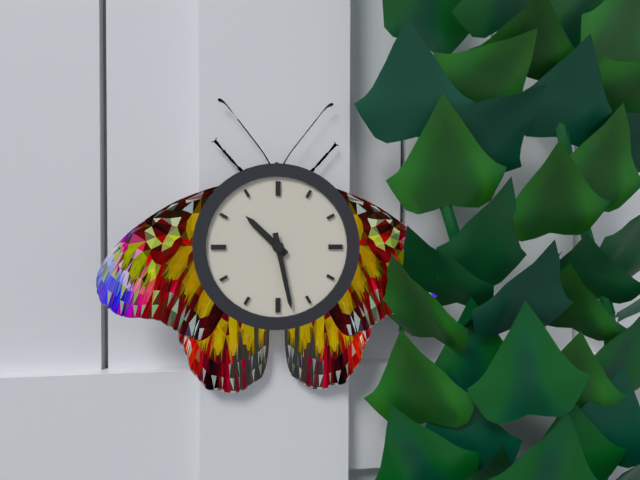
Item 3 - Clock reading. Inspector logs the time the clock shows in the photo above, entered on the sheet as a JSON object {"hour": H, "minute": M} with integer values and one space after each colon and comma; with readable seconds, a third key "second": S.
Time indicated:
{"hour": 10, "minute": 28}
